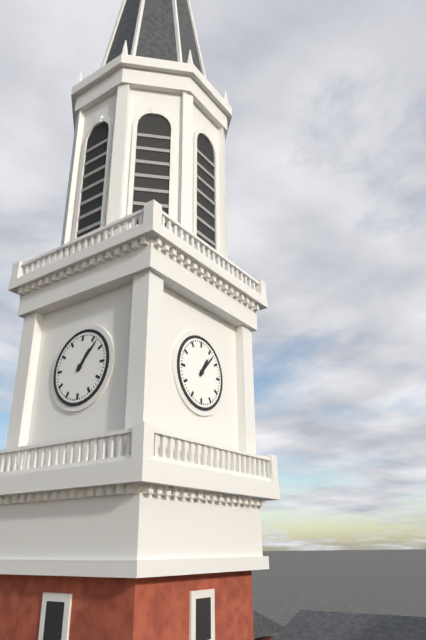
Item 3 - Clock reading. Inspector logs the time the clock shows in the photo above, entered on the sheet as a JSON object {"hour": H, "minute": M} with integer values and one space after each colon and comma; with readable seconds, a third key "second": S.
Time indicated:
{"hour": 1, "minute": 7}
